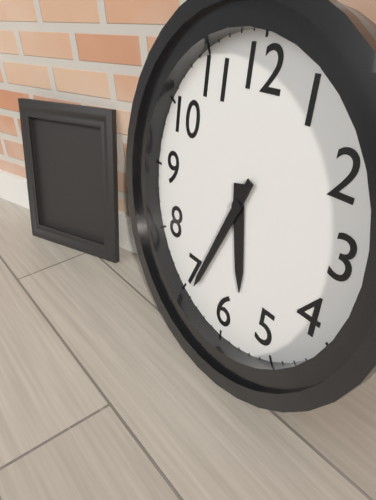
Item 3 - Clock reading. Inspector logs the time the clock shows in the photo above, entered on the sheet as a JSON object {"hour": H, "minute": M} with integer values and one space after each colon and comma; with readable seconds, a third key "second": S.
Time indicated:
{"hour": 5, "minute": 34}
